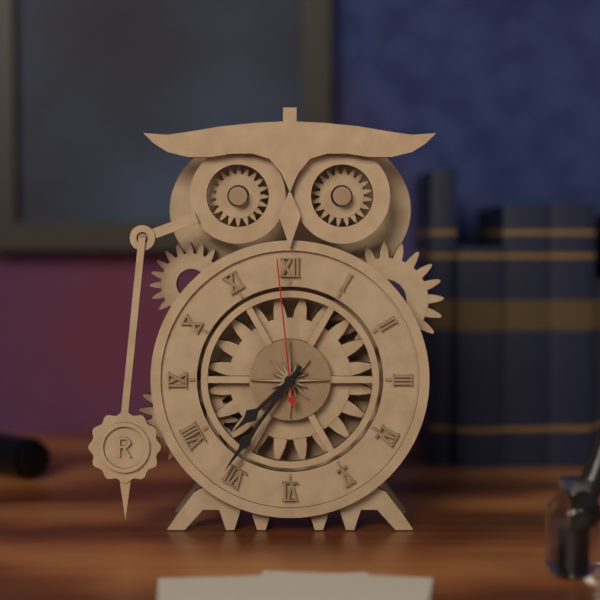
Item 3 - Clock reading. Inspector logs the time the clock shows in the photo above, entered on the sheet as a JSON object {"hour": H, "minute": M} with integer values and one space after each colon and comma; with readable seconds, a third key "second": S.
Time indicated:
{"hour": 7, "minute": 36, "second": 59}
